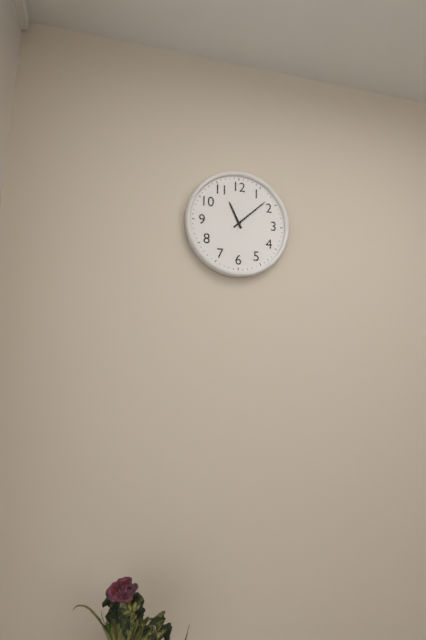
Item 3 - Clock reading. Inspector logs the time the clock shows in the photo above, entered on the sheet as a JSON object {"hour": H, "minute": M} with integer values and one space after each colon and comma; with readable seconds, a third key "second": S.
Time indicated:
{"hour": 11, "minute": 8}
